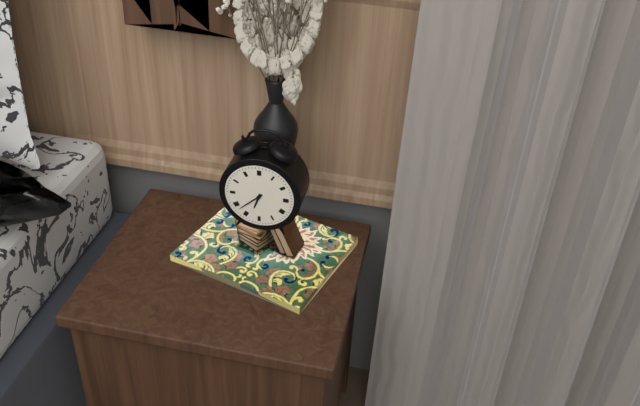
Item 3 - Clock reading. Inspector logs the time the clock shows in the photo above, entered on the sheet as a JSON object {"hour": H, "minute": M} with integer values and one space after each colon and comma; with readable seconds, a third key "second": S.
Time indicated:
{"hour": 6, "minute": 38}
